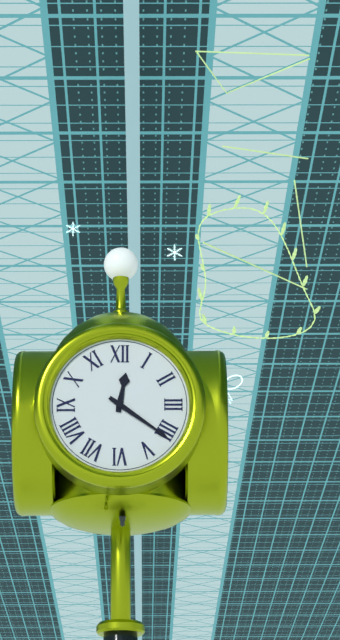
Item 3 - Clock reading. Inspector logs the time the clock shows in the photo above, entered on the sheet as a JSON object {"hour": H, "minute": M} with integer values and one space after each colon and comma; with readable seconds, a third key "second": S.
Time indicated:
{"hour": 12, "minute": 21}
